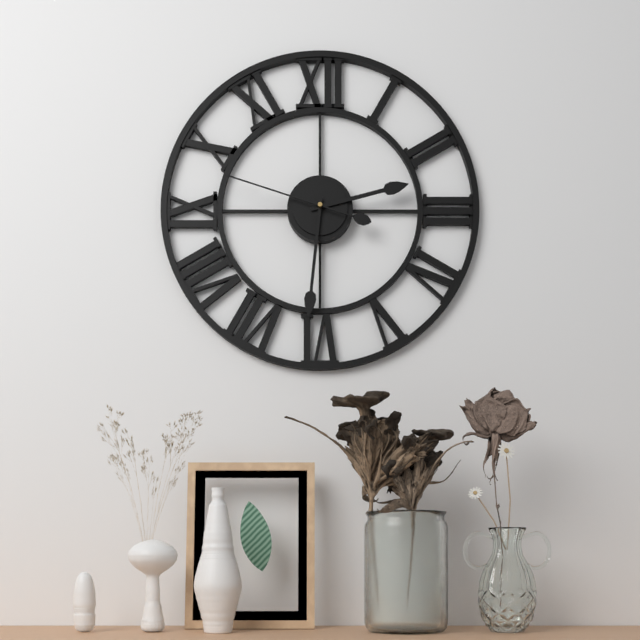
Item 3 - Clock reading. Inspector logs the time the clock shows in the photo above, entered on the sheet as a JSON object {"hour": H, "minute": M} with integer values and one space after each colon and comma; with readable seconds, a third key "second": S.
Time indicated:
{"hour": 2, "minute": 31, "second": 48}
